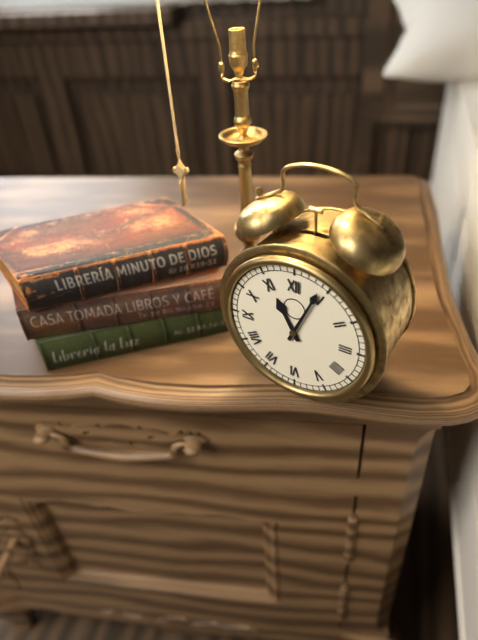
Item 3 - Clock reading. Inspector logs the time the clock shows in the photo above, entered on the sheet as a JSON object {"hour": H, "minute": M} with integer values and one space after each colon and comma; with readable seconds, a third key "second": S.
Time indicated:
{"hour": 11, "minute": 4}
